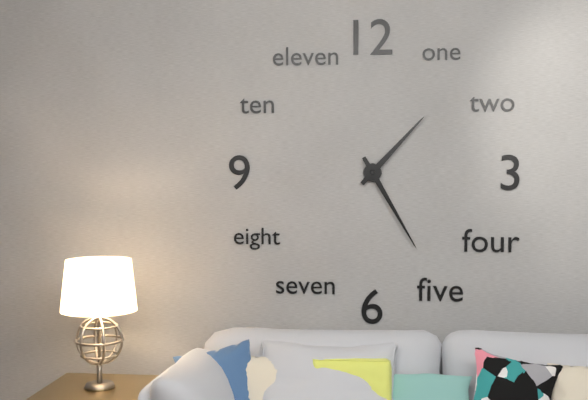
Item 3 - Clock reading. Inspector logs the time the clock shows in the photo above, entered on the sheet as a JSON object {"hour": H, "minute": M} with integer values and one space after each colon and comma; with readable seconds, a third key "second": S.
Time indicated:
{"hour": 1, "minute": 25}
